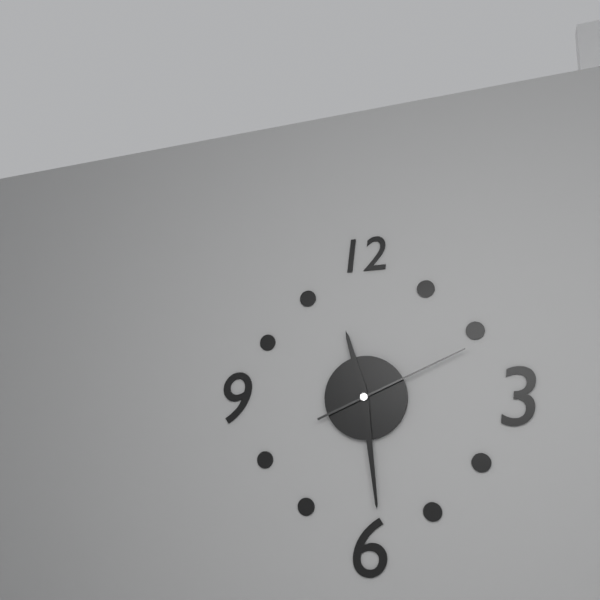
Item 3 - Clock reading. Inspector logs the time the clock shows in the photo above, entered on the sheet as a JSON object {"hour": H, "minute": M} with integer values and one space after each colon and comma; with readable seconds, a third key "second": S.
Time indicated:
{"hour": 11, "minute": 29, "second": 11}
